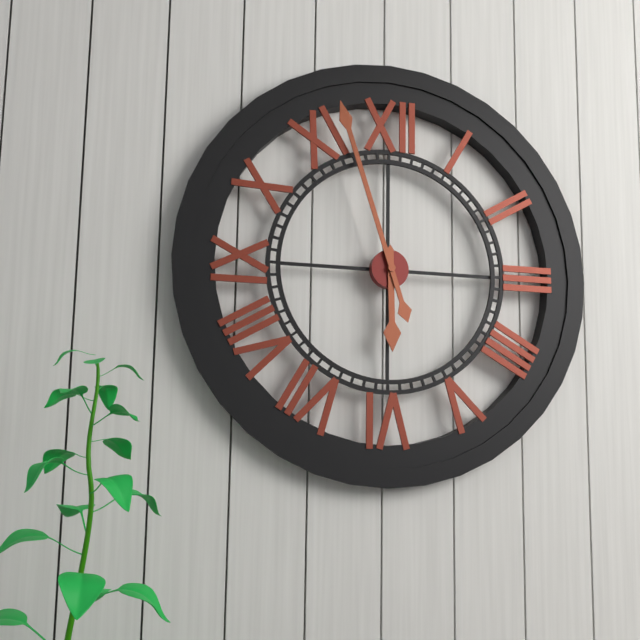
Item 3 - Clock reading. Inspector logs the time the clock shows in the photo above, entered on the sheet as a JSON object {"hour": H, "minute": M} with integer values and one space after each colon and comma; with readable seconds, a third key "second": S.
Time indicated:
{"hour": 5, "minute": 57}
